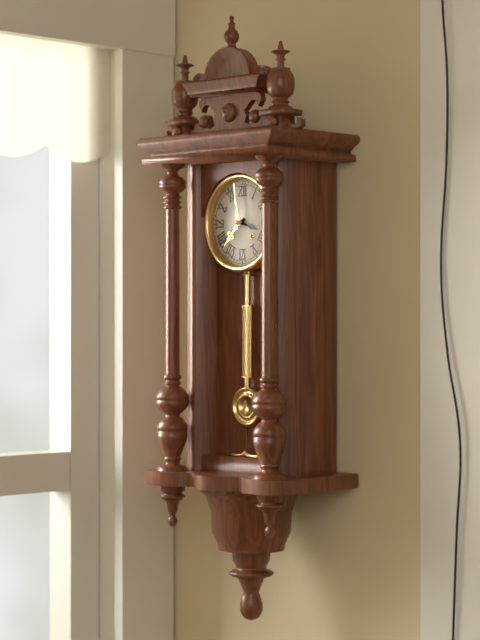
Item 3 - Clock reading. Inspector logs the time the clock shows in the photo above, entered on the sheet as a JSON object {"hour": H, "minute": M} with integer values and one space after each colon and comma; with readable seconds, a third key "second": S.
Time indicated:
{"hour": 3, "minute": 39}
